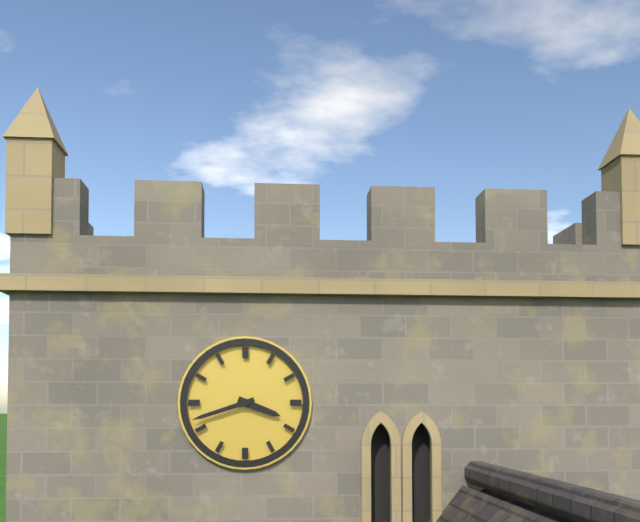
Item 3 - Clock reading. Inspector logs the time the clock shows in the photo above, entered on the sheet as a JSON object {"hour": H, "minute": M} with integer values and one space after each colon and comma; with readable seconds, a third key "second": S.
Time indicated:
{"hour": 3, "minute": 42}
